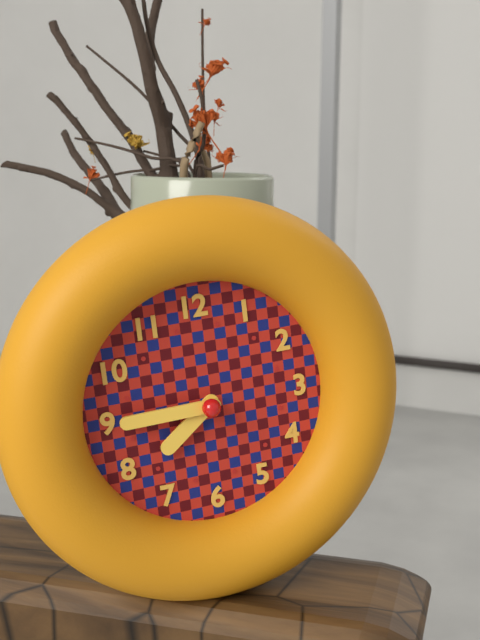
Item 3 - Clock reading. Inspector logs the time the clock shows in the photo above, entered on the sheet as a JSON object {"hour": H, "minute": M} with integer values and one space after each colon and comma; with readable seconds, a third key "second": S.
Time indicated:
{"hour": 7, "minute": 45}
